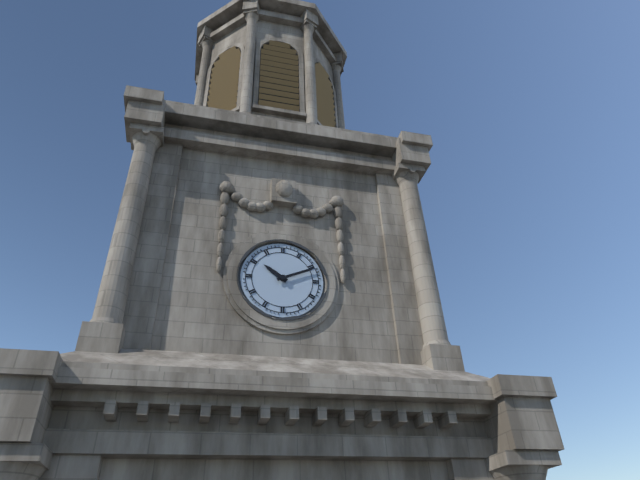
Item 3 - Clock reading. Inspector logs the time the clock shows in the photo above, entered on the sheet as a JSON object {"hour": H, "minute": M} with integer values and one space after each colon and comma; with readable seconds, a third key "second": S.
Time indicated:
{"hour": 10, "minute": 11}
